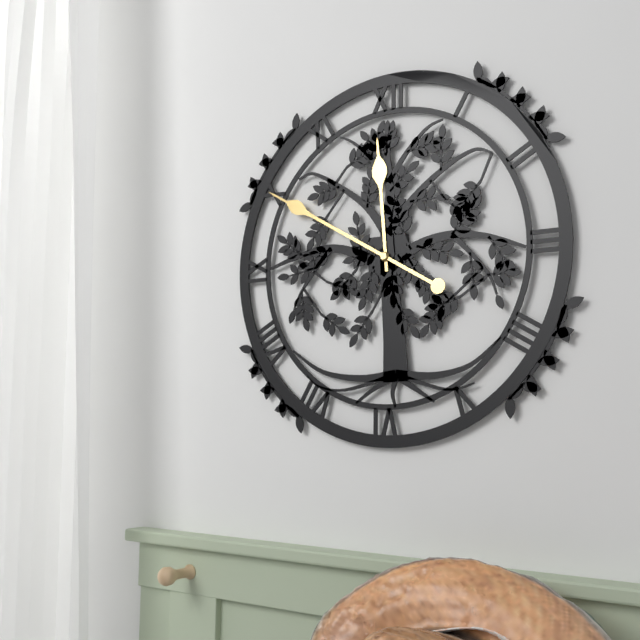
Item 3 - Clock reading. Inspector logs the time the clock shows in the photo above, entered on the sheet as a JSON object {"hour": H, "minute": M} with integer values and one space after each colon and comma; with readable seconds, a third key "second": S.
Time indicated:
{"hour": 11, "minute": 50}
